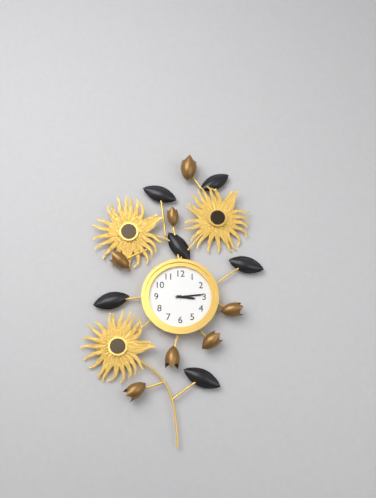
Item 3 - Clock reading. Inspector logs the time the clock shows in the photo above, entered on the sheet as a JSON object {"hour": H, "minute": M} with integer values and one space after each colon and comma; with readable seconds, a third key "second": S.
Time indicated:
{"hour": 3, "minute": 14}
